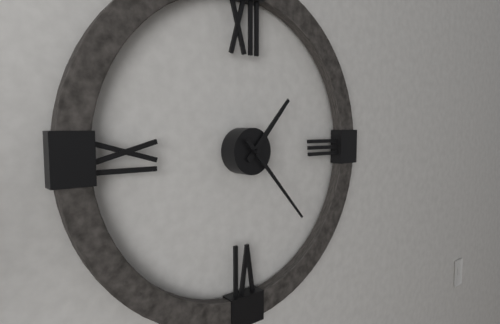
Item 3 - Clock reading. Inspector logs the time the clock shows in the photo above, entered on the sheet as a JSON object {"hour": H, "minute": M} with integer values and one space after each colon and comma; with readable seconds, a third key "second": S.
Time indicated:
{"hour": 1, "minute": 23}
